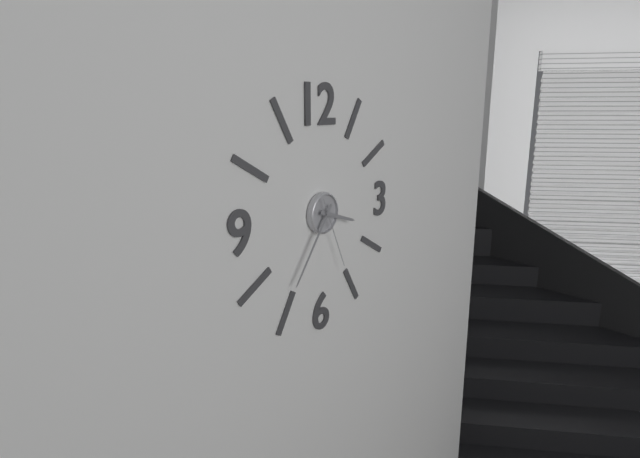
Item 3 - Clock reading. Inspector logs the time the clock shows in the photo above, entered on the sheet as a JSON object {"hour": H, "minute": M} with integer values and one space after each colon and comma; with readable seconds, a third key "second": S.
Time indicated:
{"hour": 3, "minute": 36, "second": 26}
